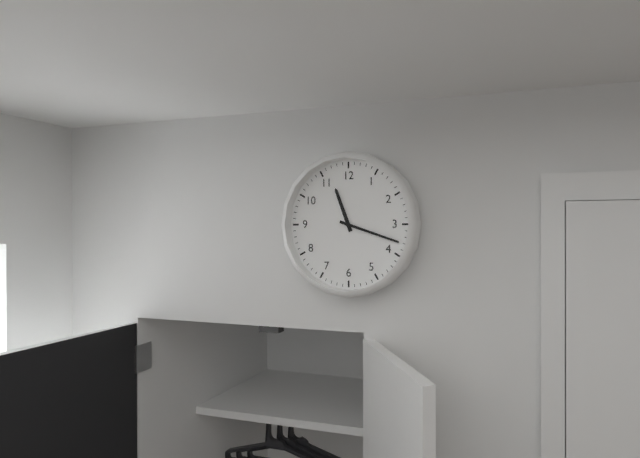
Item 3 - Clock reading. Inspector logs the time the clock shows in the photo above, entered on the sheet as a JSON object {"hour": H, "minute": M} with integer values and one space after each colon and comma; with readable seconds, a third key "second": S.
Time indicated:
{"hour": 11, "minute": 18}
